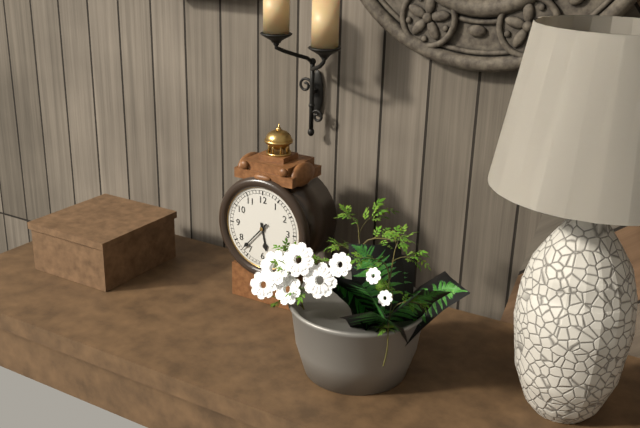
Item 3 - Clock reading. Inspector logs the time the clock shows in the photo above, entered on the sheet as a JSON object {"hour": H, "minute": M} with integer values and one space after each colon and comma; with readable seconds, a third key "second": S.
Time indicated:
{"hour": 5, "minute": 37}
